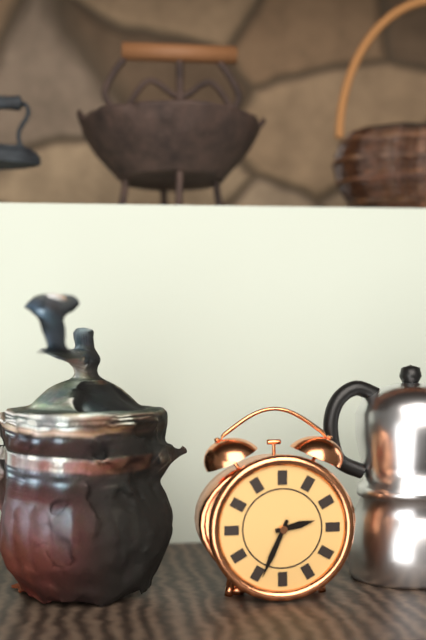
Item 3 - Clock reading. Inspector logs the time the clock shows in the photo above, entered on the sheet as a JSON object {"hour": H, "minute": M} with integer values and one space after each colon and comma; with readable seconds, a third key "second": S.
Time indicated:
{"hour": 2, "minute": 34}
